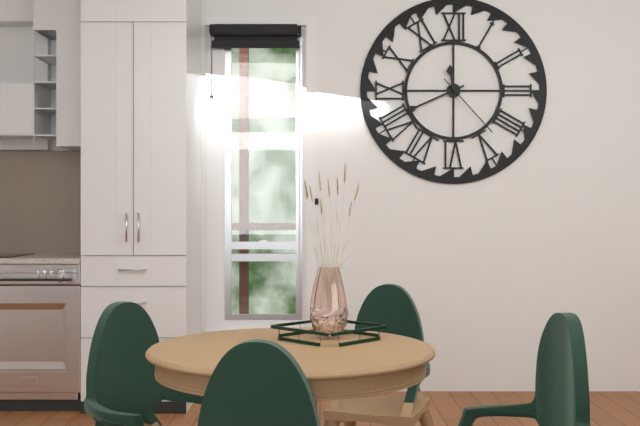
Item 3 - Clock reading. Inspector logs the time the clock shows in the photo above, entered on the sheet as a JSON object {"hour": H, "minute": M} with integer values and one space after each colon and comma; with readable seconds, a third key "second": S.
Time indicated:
{"hour": 11, "minute": 41, "second": 23}
